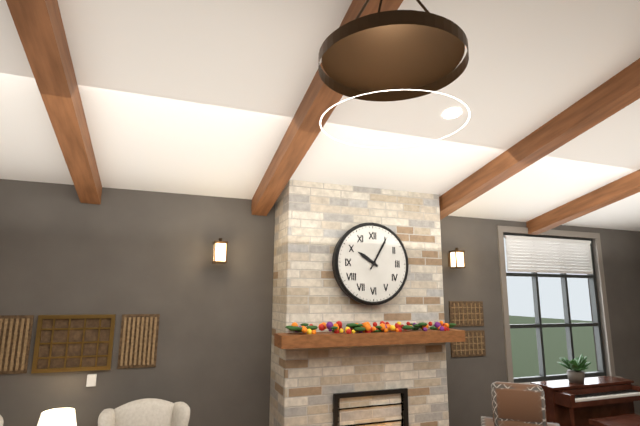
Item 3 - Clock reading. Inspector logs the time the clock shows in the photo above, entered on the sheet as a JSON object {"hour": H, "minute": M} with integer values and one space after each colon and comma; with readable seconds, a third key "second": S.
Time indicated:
{"hour": 10, "minute": 5}
